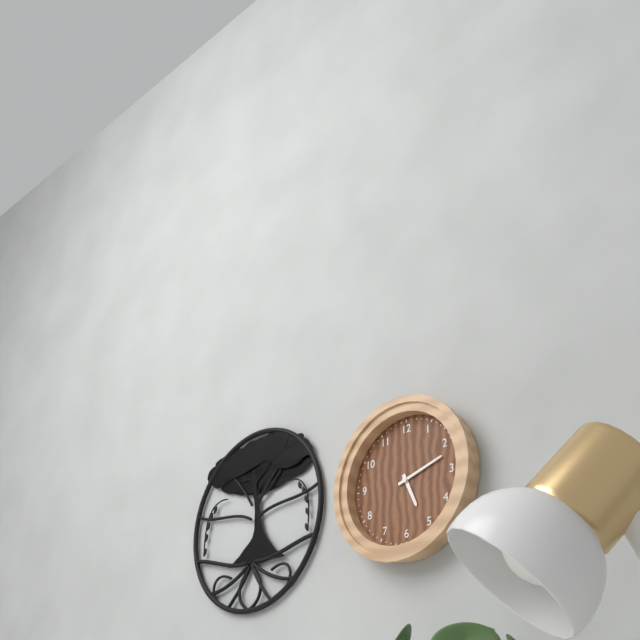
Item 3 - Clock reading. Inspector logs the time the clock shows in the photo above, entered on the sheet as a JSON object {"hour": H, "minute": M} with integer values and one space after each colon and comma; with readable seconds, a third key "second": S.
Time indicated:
{"hour": 5, "minute": 12}
